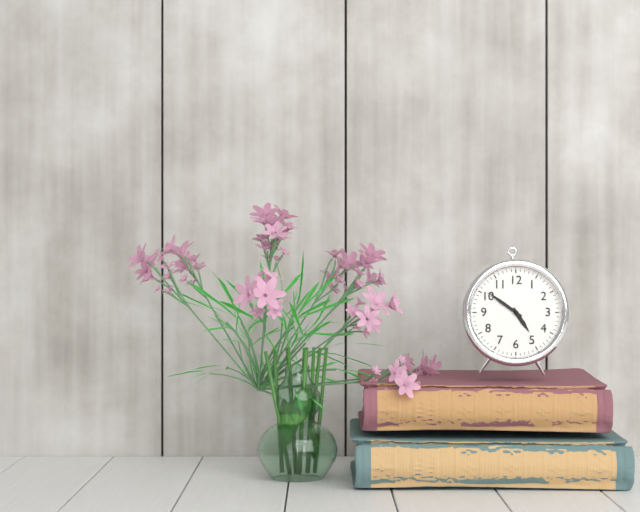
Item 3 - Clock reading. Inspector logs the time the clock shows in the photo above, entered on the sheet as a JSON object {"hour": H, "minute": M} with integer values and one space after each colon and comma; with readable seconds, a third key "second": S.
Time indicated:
{"hour": 4, "minute": 51}
